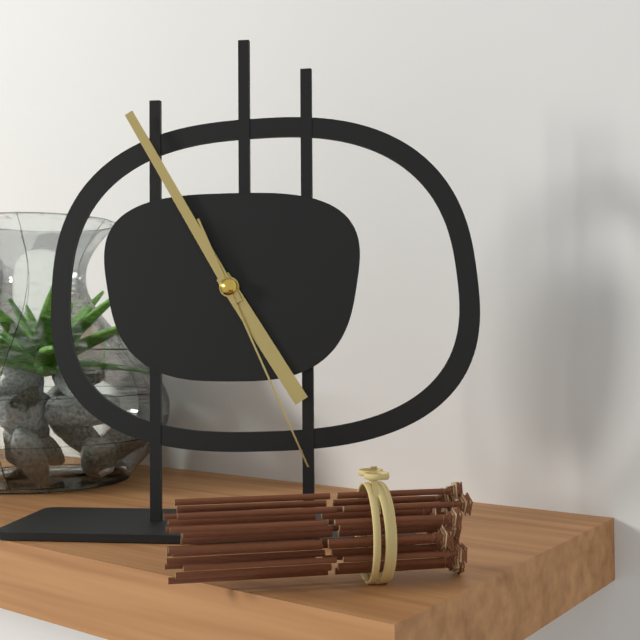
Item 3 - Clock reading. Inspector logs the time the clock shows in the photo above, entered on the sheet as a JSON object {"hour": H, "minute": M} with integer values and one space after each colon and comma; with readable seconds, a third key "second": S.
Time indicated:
{"hour": 4, "minute": 55, "second": 26}
